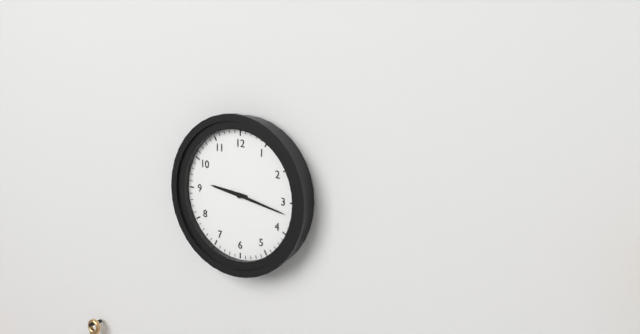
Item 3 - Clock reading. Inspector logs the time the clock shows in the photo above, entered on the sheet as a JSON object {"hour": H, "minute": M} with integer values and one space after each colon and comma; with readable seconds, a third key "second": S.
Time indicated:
{"hour": 9, "minute": 17}
